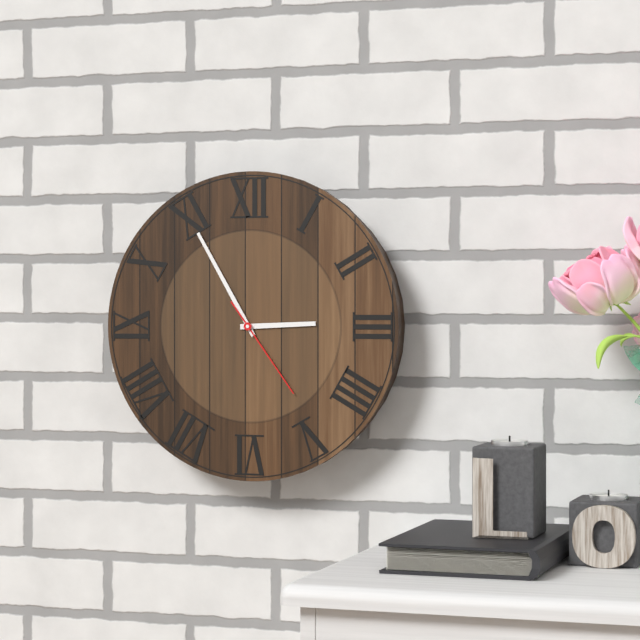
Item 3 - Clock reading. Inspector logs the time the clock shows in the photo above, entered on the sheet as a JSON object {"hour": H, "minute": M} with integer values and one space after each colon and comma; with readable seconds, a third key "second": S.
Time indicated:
{"hour": 2, "minute": 55, "second": 24}
